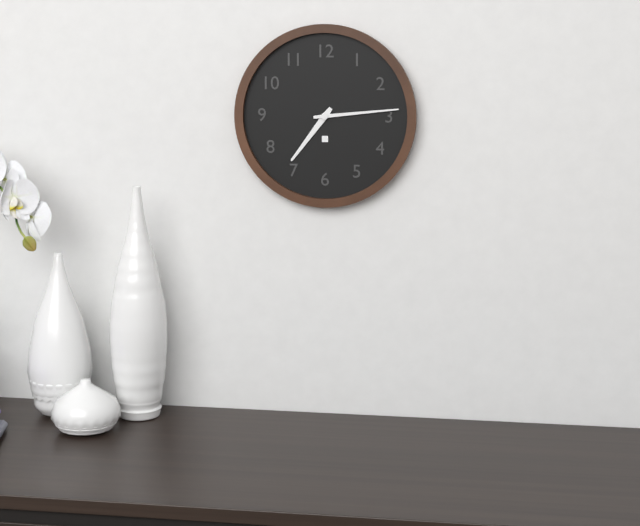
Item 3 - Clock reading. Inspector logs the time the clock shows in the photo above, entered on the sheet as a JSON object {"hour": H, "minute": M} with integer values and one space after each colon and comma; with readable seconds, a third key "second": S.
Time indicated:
{"hour": 7, "minute": 14}
